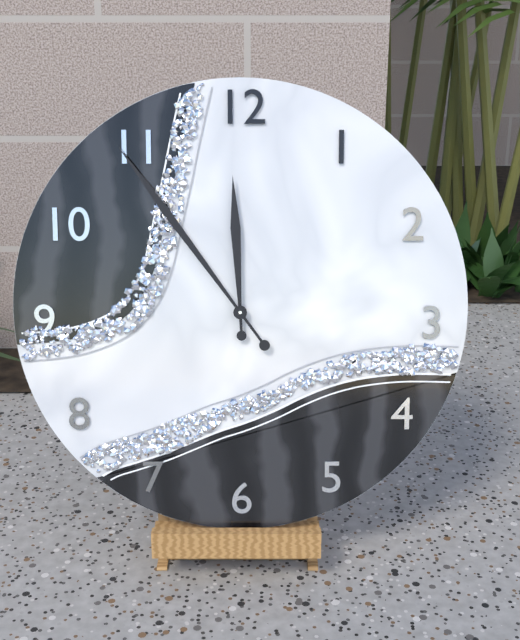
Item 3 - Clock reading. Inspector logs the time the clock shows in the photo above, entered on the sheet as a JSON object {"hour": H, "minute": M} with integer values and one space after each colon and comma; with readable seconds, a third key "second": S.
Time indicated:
{"hour": 11, "minute": 54}
